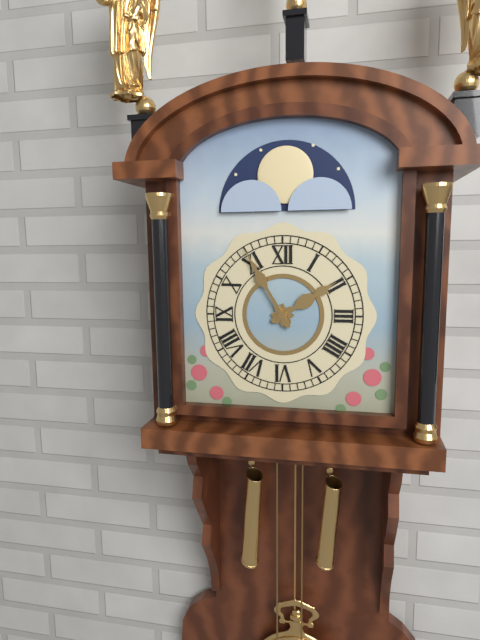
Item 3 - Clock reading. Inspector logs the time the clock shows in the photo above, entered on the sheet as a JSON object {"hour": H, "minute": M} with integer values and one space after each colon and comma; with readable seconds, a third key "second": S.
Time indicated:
{"hour": 1, "minute": 55}
